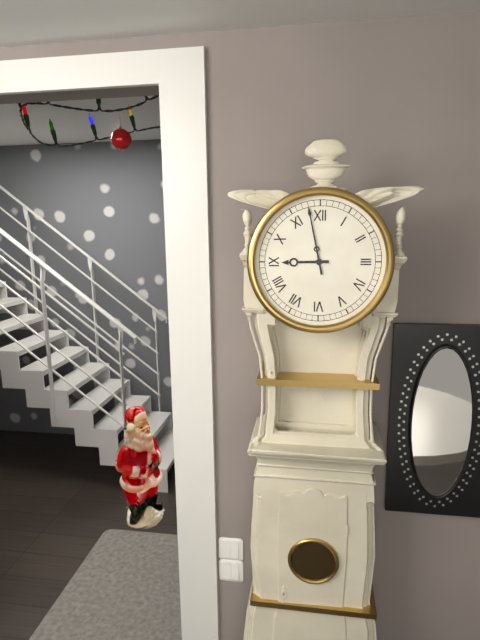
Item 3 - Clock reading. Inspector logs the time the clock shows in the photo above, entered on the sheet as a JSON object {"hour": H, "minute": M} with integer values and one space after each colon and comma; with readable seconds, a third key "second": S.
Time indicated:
{"hour": 8, "minute": 58}
